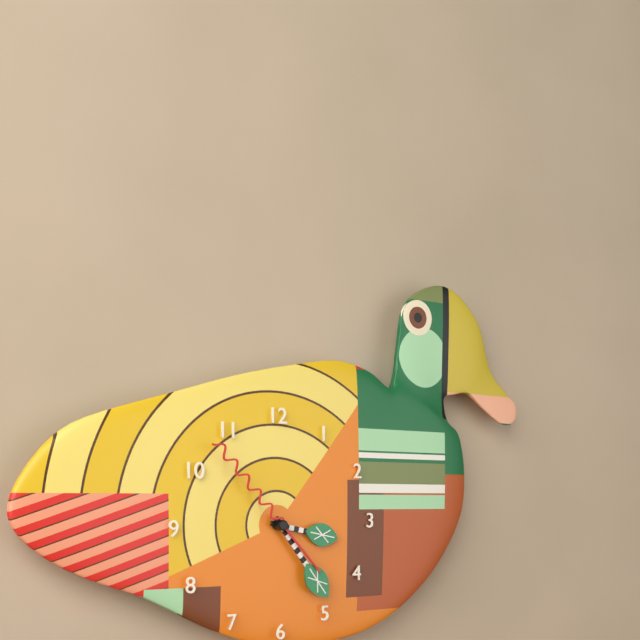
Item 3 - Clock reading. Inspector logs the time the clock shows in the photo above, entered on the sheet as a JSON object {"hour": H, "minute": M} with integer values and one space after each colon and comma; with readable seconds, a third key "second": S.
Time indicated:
{"hour": 3, "minute": 24, "second": 53}
